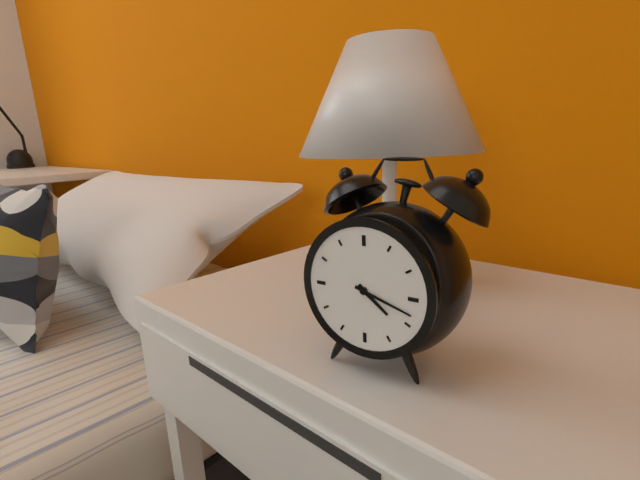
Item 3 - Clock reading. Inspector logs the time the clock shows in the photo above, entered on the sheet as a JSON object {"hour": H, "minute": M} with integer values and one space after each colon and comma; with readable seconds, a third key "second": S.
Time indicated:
{"hour": 4, "minute": 18}
